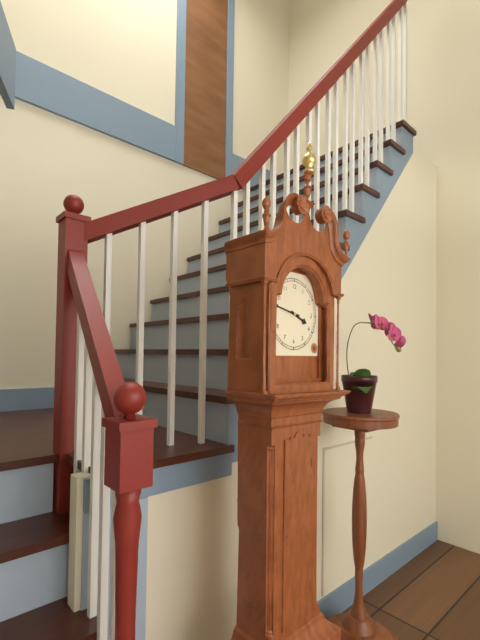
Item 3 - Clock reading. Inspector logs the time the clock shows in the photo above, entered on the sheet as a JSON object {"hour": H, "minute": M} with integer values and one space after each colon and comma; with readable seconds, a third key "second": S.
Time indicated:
{"hour": 3, "minute": 47}
